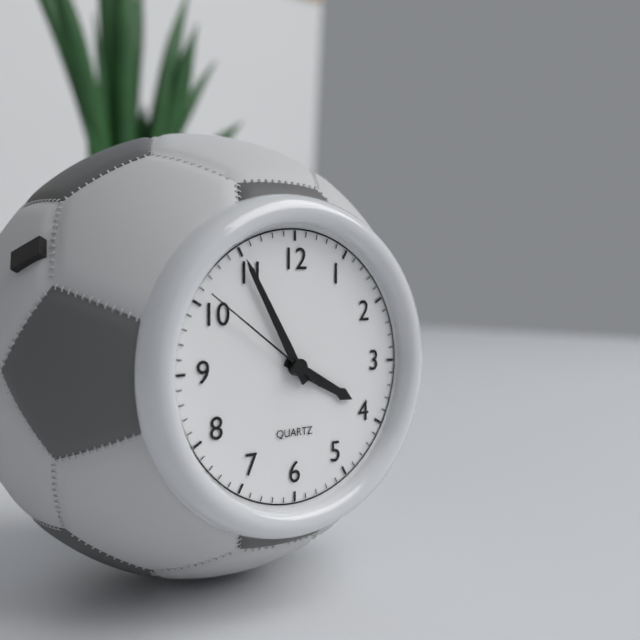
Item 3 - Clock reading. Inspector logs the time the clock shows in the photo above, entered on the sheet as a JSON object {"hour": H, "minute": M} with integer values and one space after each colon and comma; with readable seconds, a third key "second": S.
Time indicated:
{"hour": 3, "minute": 55, "second": 51}
